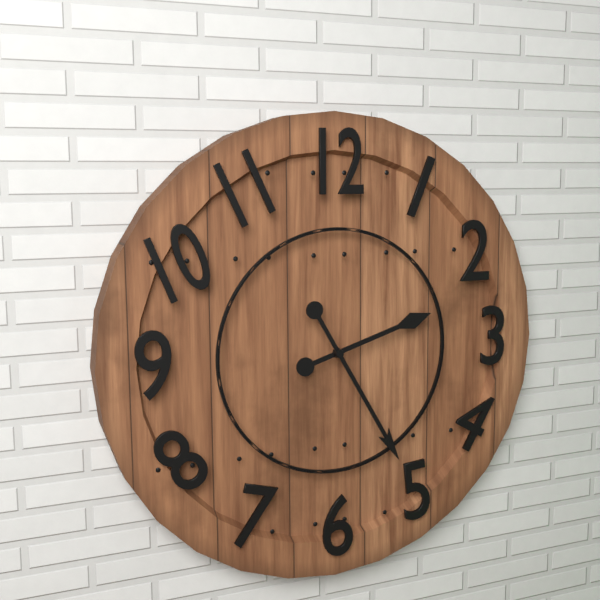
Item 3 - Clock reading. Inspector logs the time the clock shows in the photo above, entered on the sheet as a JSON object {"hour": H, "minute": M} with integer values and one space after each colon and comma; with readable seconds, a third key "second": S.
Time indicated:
{"hour": 2, "minute": 25}
